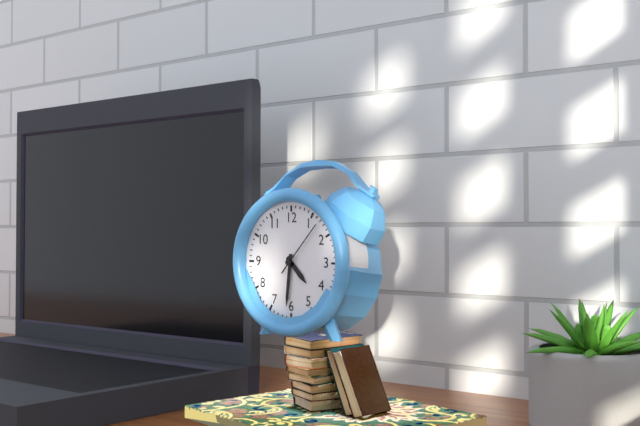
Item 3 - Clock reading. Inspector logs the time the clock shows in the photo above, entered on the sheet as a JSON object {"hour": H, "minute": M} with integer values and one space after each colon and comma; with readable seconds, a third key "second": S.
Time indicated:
{"hour": 4, "minute": 31, "second": 7}
